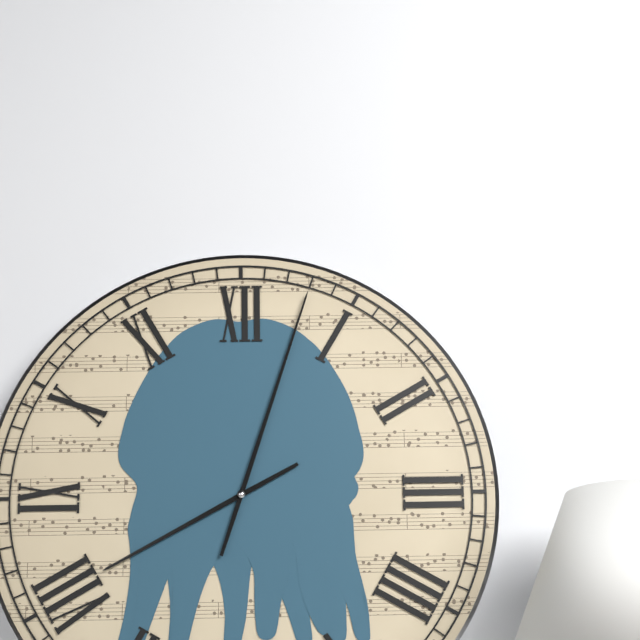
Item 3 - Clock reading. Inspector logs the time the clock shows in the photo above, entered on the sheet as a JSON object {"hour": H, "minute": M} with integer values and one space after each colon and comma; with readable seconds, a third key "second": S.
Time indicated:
{"hour": 8, "minute": 3}
